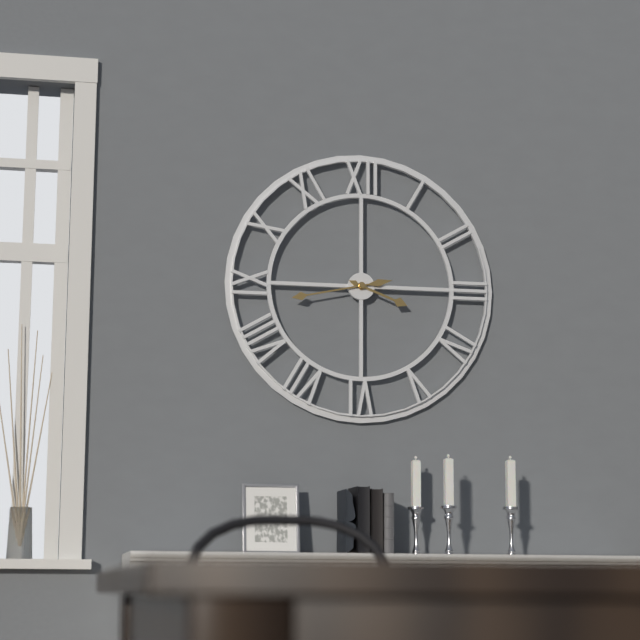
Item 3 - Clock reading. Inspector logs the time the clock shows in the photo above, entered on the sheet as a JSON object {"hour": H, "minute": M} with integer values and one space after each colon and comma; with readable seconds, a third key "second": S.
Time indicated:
{"hour": 3, "minute": 43}
